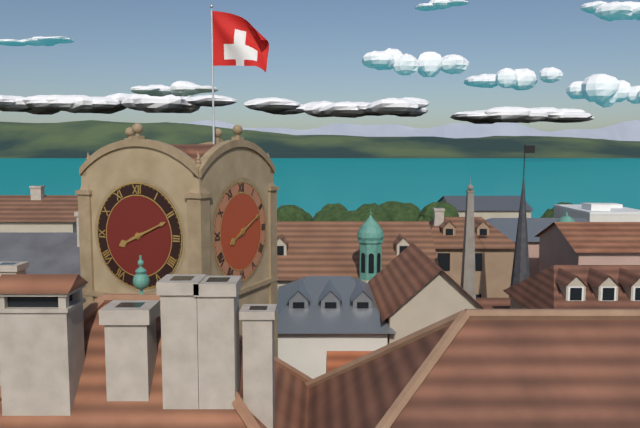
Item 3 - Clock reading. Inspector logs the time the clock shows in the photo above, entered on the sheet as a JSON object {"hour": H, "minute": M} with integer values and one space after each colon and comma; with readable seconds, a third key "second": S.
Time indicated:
{"hour": 8, "minute": 11}
